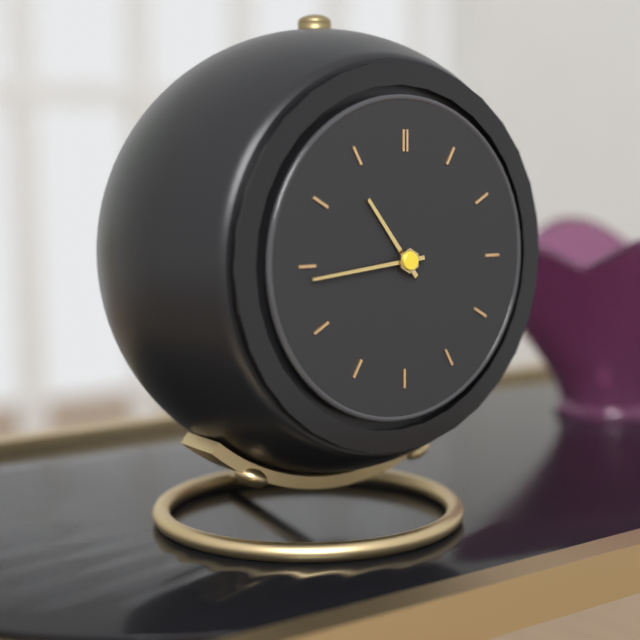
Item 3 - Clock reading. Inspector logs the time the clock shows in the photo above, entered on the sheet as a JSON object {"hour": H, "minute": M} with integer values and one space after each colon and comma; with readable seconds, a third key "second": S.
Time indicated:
{"hour": 10, "minute": 44}
